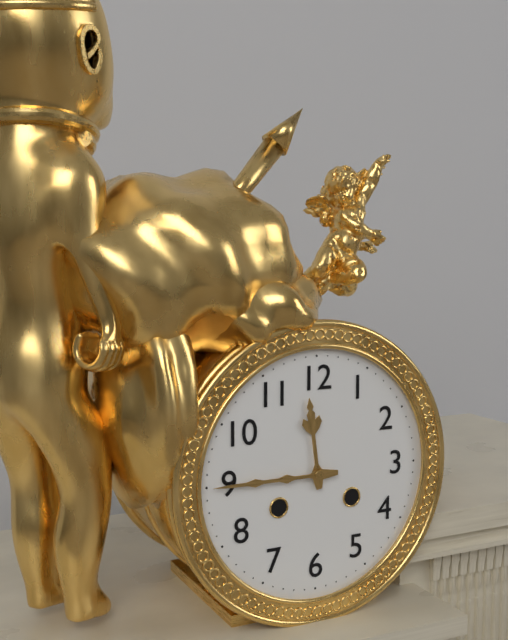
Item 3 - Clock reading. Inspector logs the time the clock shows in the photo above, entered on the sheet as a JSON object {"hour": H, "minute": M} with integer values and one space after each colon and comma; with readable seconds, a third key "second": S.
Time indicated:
{"hour": 11, "minute": 45}
